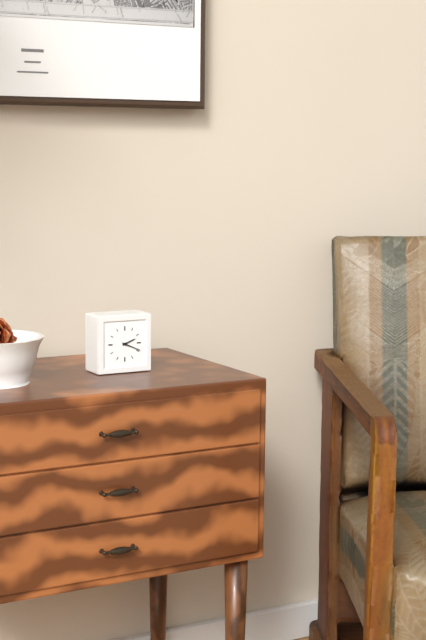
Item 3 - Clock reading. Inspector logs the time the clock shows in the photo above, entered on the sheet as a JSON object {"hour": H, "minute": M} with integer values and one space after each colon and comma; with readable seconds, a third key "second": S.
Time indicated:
{"hour": 2, "minute": 19}
